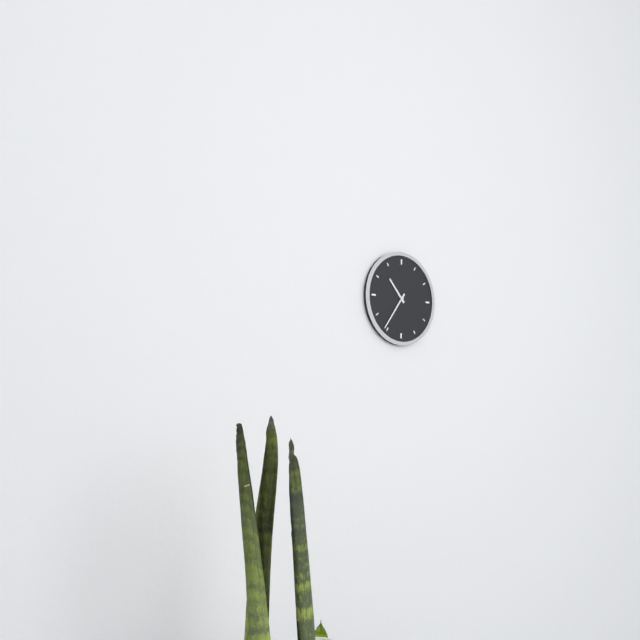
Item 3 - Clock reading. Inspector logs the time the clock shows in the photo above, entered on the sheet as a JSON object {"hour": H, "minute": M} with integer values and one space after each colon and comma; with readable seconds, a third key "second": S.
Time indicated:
{"hour": 10, "minute": 36}
